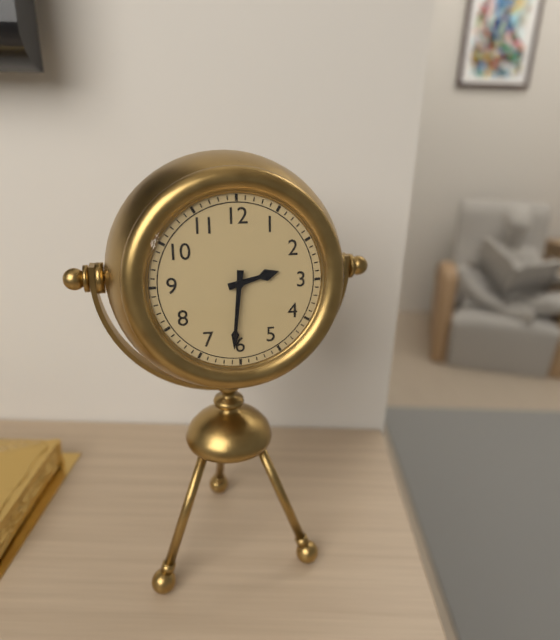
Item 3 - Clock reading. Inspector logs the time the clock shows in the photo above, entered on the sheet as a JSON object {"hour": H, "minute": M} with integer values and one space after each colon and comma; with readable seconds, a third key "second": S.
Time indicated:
{"hour": 2, "minute": 31}
